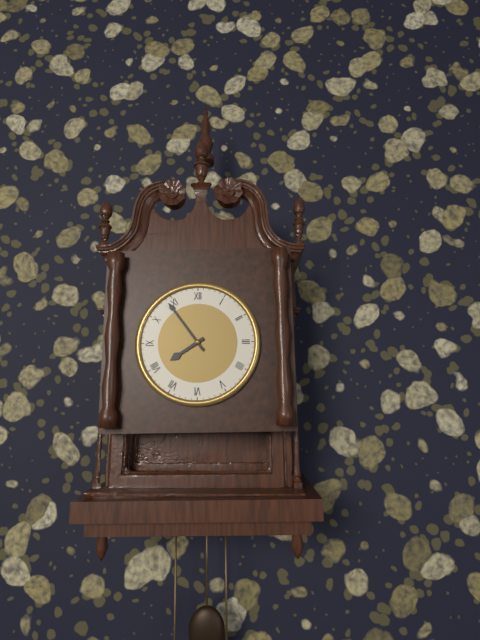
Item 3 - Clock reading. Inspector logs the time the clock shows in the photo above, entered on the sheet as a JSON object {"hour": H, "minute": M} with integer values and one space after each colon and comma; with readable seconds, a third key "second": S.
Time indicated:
{"hour": 7, "minute": 54}
